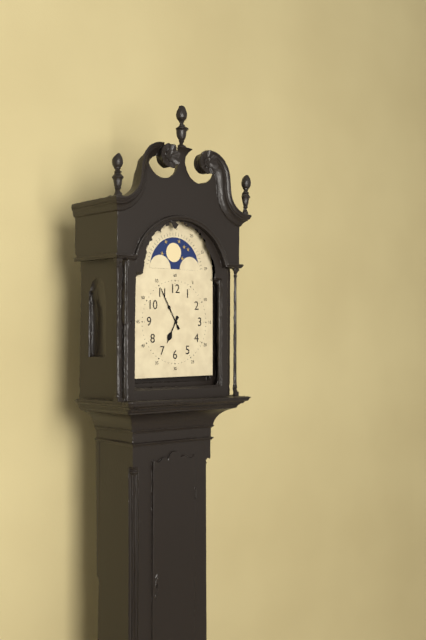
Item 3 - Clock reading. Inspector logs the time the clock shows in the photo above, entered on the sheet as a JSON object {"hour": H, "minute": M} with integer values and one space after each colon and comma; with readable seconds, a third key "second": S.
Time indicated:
{"hour": 6, "minute": 55}
